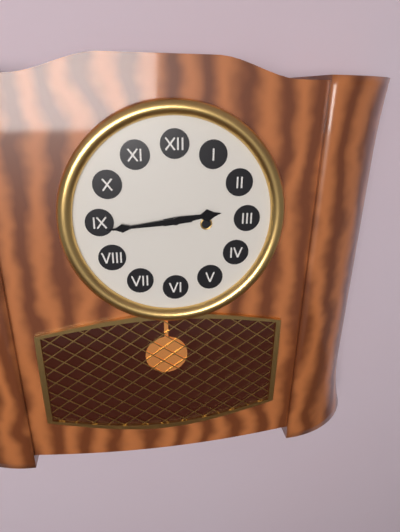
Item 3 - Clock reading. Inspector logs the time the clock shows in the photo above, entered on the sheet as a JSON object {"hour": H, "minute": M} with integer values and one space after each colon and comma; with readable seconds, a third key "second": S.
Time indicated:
{"hour": 2, "minute": 44}
